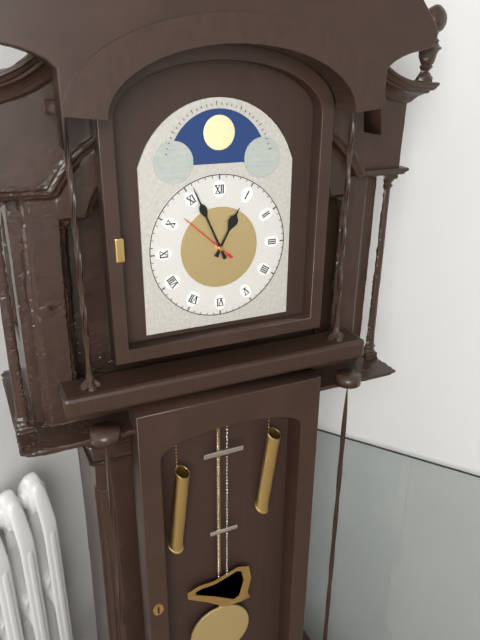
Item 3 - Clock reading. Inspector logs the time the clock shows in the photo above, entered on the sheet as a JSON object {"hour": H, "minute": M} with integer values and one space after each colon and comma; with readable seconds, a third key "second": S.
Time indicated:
{"hour": 12, "minute": 56, "second": 52}
